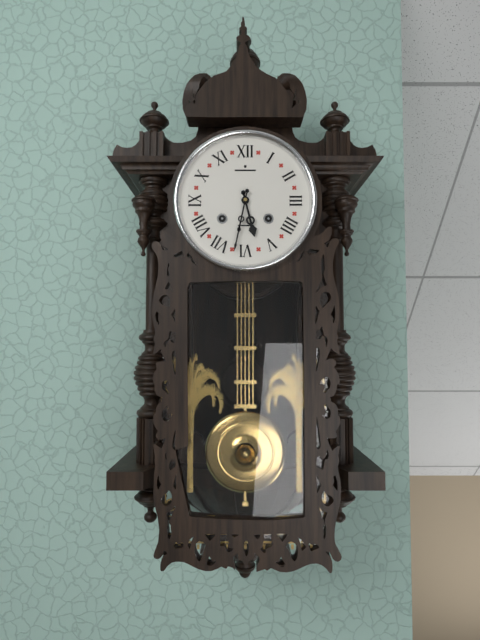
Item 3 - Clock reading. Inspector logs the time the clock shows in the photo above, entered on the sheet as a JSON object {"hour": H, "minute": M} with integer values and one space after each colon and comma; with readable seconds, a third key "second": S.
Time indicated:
{"hour": 5, "minute": 32}
